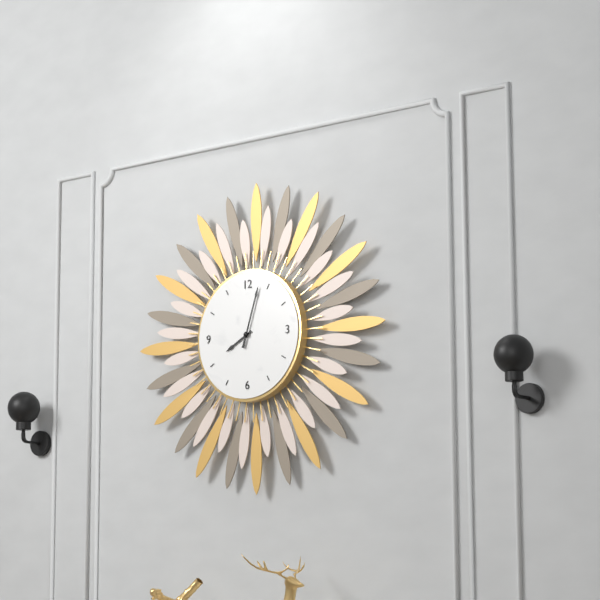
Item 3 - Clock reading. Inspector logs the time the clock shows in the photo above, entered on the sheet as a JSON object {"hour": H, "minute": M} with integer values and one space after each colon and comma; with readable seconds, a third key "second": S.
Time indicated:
{"hour": 8, "minute": 3}
